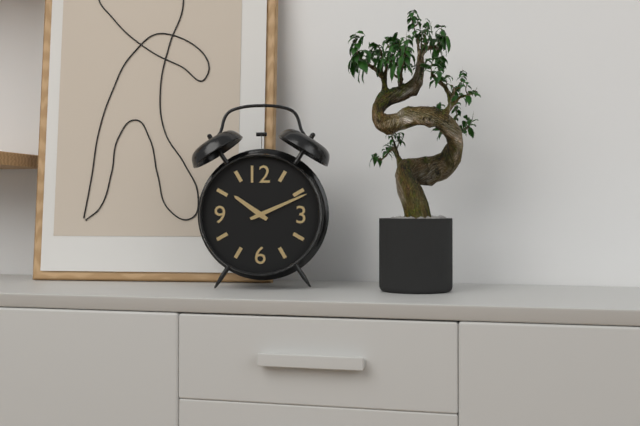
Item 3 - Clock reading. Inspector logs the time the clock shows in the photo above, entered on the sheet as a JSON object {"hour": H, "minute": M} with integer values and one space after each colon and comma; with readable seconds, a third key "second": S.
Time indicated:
{"hour": 10, "minute": 11}
